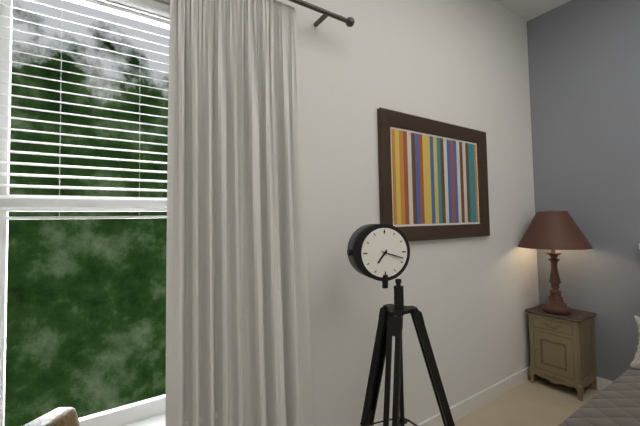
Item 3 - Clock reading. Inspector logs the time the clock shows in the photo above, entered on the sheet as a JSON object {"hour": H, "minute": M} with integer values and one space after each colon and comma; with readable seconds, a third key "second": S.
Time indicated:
{"hour": 7, "minute": 18}
